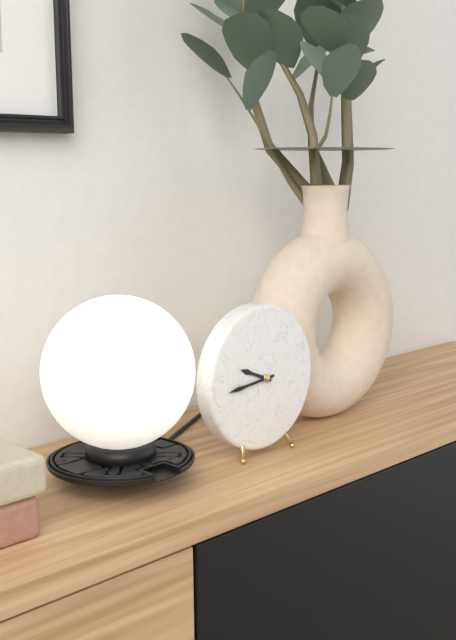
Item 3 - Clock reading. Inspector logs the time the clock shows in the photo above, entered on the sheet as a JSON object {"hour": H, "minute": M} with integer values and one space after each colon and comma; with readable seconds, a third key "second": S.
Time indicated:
{"hour": 9, "minute": 44}
